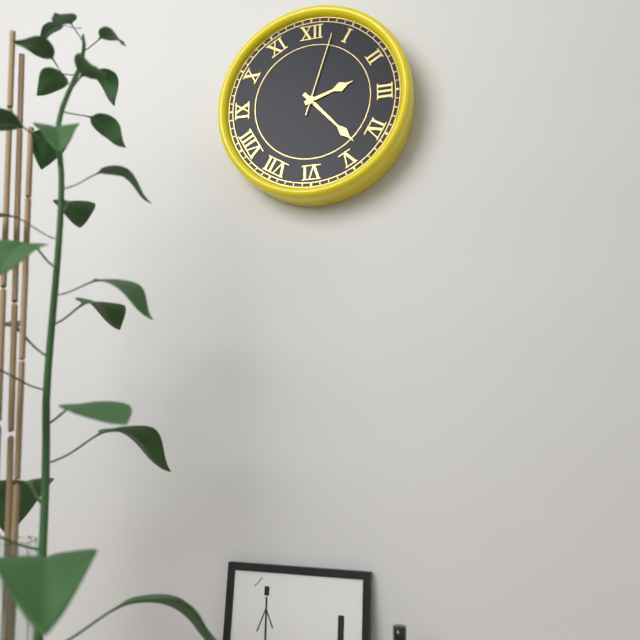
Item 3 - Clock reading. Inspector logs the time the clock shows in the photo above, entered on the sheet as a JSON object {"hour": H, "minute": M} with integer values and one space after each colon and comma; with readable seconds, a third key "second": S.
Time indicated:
{"hour": 2, "minute": 23, "second": 3}
